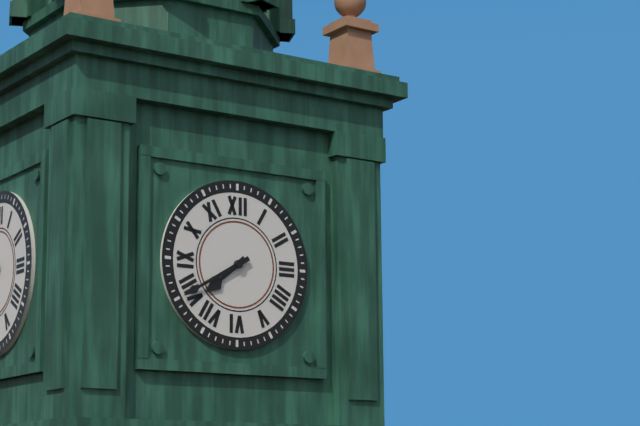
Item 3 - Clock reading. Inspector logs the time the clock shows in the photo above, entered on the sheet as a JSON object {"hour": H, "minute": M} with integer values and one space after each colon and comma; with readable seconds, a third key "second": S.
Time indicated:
{"hour": 7, "minute": 40}
